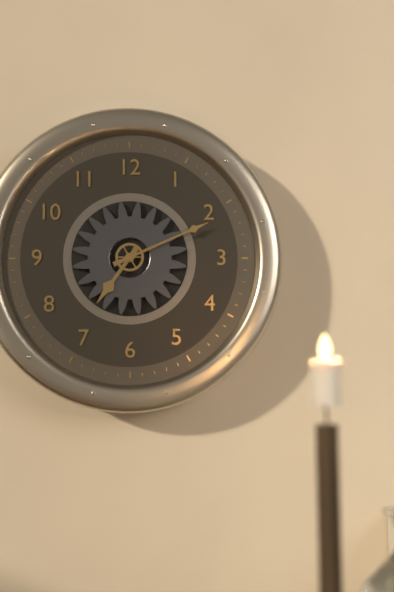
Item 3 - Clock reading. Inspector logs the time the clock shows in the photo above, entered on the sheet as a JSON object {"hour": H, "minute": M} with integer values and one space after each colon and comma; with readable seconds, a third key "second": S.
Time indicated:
{"hour": 7, "minute": 11}
